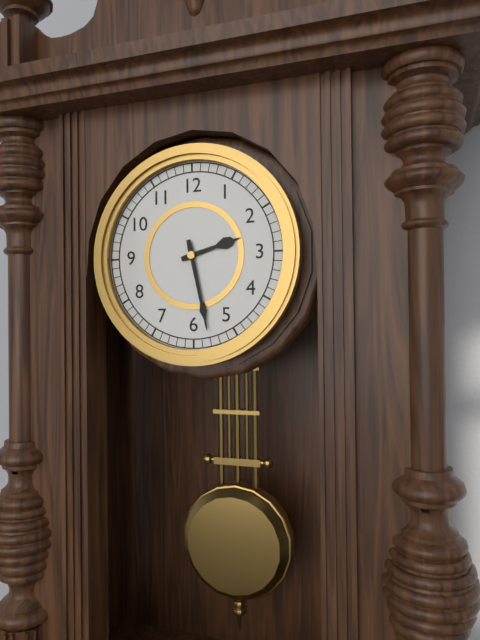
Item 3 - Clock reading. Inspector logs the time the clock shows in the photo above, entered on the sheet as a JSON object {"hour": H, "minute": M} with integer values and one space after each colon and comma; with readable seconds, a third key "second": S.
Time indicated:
{"hour": 2, "minute": 28}
